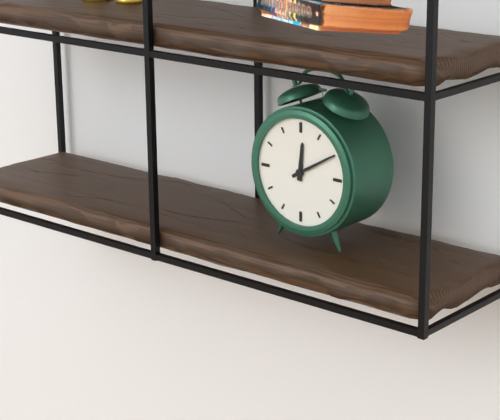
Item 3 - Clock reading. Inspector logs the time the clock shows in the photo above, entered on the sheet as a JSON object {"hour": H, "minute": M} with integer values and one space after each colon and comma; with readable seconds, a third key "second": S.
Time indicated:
{"hour": 12, "minute": 10}
